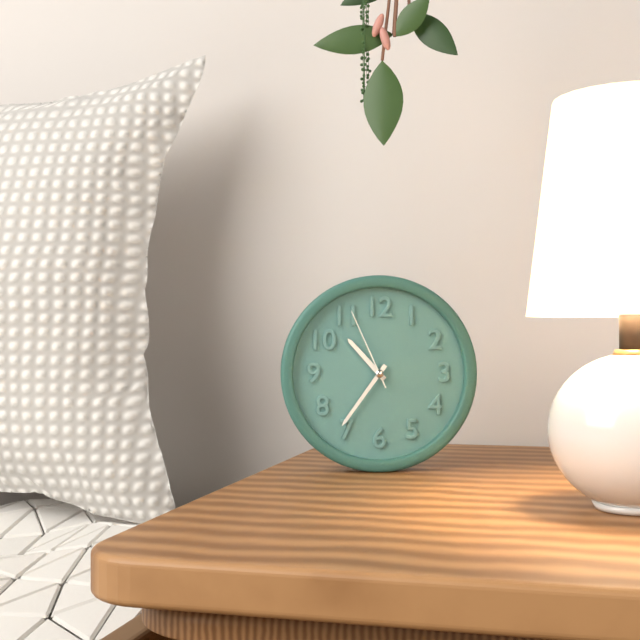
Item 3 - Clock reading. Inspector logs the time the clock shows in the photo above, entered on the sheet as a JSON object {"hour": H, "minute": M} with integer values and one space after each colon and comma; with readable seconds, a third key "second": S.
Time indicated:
{"hour": 10, "minute": 36, "second": 56}
